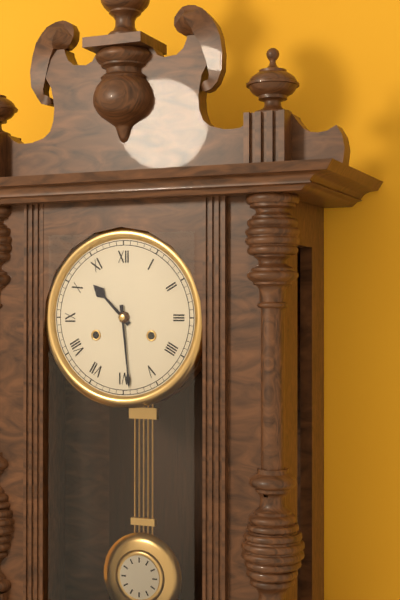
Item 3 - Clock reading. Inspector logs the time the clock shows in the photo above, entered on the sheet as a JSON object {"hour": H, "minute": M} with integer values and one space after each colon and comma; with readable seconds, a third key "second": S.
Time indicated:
{"hour": 10, "minute": 29}
